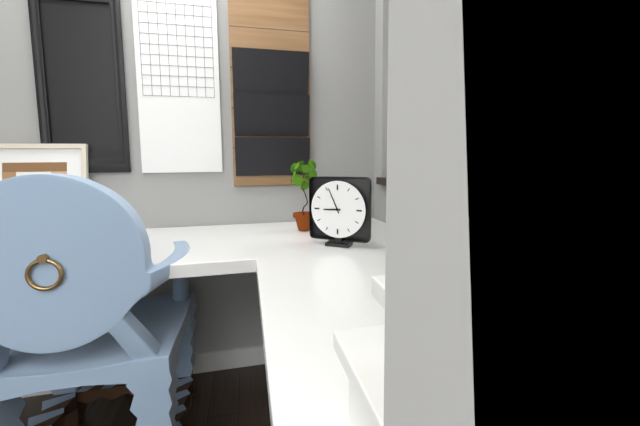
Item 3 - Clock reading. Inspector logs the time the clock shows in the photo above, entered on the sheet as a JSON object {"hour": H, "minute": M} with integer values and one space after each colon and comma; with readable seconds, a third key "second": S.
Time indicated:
{"hour": 8, "minute": 56}
